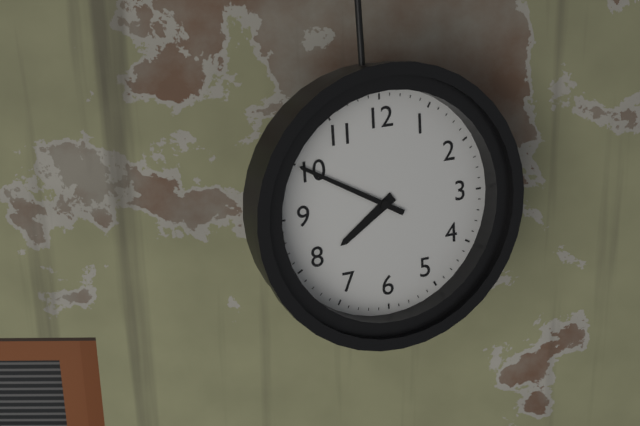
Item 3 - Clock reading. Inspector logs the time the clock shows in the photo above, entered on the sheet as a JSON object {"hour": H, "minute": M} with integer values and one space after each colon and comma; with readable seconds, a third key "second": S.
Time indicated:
{"hour": 7, "minute": 50}
